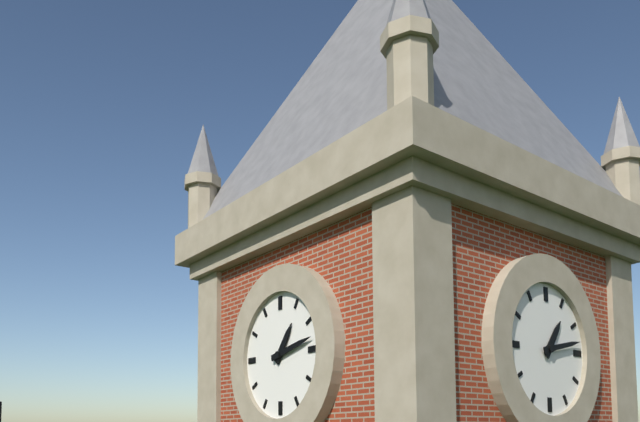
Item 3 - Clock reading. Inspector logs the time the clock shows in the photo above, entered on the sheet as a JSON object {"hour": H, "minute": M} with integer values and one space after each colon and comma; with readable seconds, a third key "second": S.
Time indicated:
{"hour": 1, "minute": 13}
